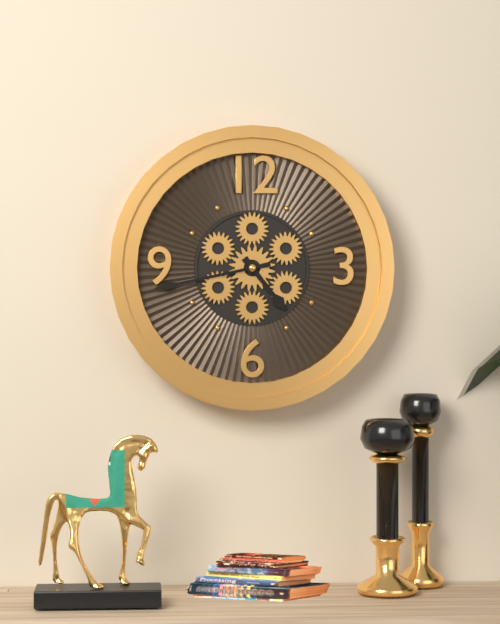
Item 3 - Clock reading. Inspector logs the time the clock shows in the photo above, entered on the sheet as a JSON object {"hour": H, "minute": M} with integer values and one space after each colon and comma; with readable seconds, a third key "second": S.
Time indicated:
{"hour": 4, "minute": 43}
